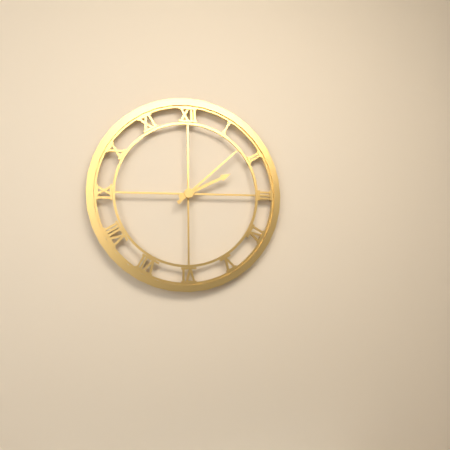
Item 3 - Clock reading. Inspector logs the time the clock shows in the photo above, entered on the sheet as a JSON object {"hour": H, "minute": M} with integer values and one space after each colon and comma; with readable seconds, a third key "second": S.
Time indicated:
{"hour": 2, "minute": 8}
